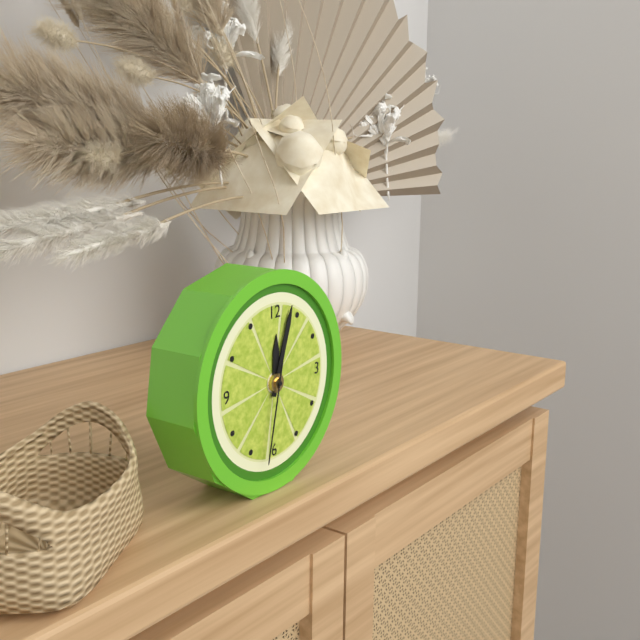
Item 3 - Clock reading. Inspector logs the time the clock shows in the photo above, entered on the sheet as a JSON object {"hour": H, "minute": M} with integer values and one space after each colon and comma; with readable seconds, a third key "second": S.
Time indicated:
{"hour": 12, "minute": 3, "second": 32}
